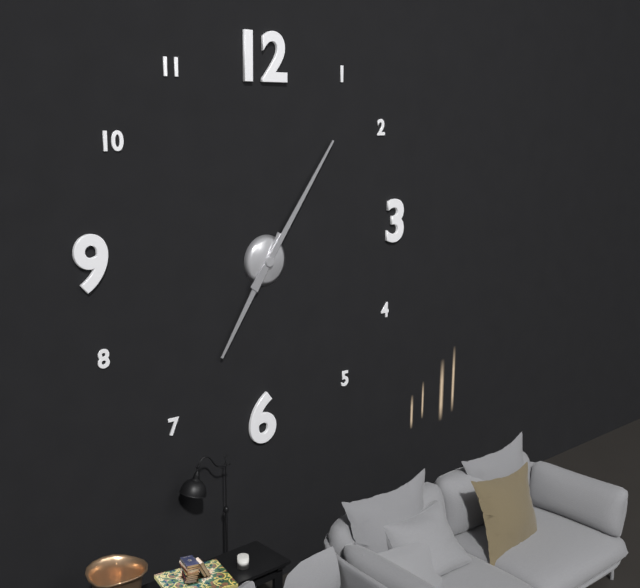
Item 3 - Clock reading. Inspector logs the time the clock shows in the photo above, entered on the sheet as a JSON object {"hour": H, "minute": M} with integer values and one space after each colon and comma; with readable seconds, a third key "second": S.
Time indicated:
{"hour": 7, "minute": 6}
